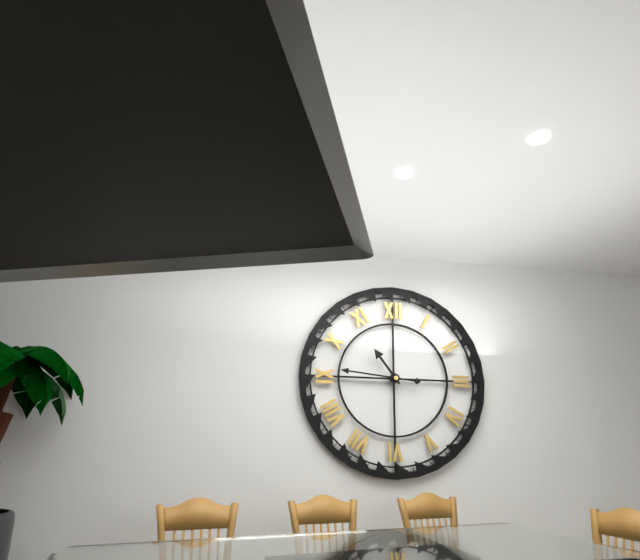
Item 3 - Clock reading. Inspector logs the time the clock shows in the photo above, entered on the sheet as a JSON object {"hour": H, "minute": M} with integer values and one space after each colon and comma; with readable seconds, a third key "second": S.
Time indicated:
{"hour": 10, "minute": 46}
